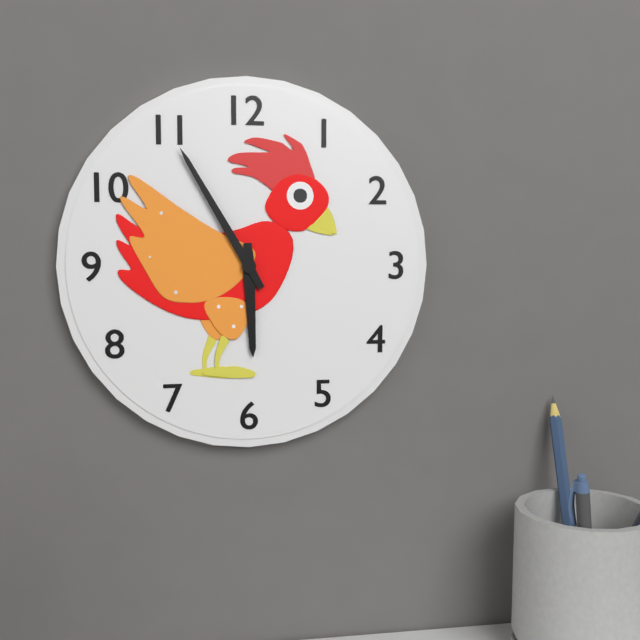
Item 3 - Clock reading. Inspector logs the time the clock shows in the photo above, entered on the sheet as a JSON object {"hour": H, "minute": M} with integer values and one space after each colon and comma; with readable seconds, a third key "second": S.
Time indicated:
{"hour": 5, "minute": 55}
